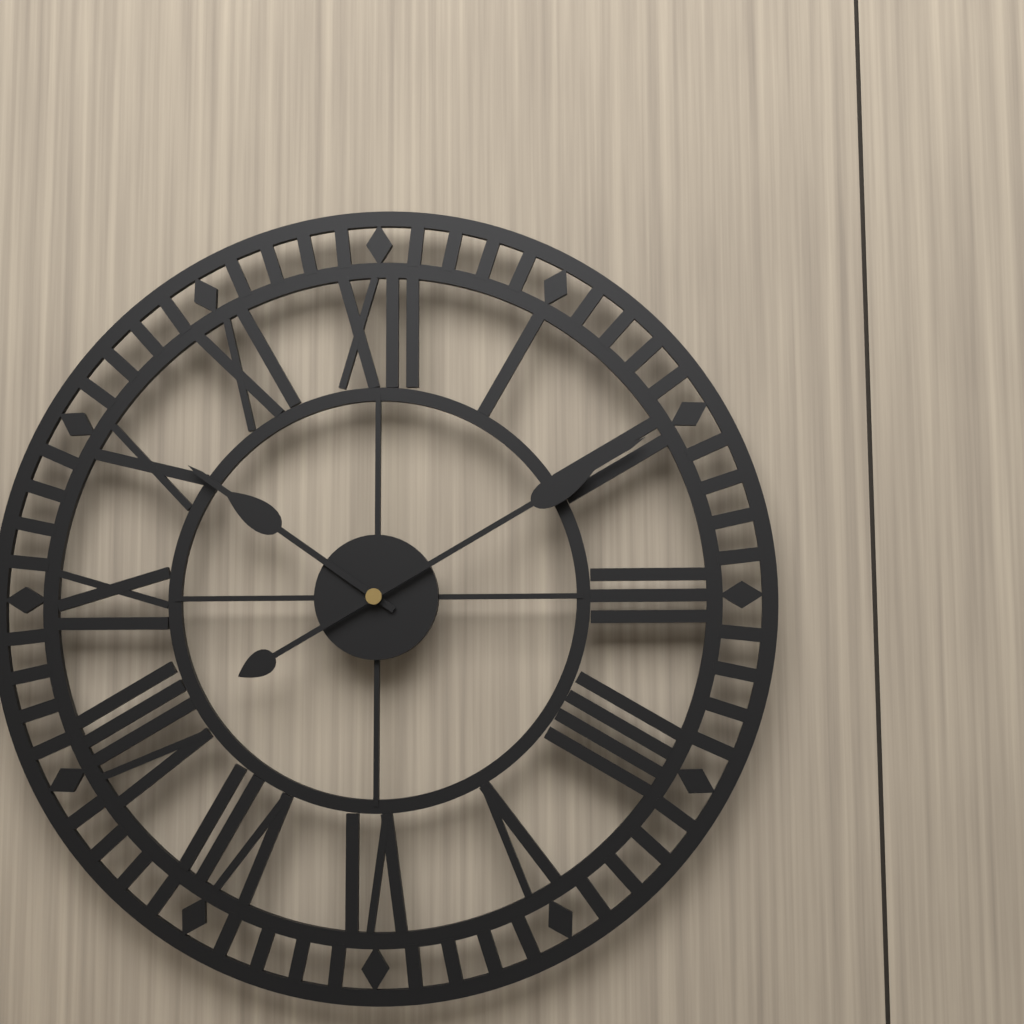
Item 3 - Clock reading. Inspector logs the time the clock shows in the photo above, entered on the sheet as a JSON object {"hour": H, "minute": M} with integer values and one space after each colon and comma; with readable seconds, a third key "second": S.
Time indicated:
{"hour": 10, "minute": 10}
